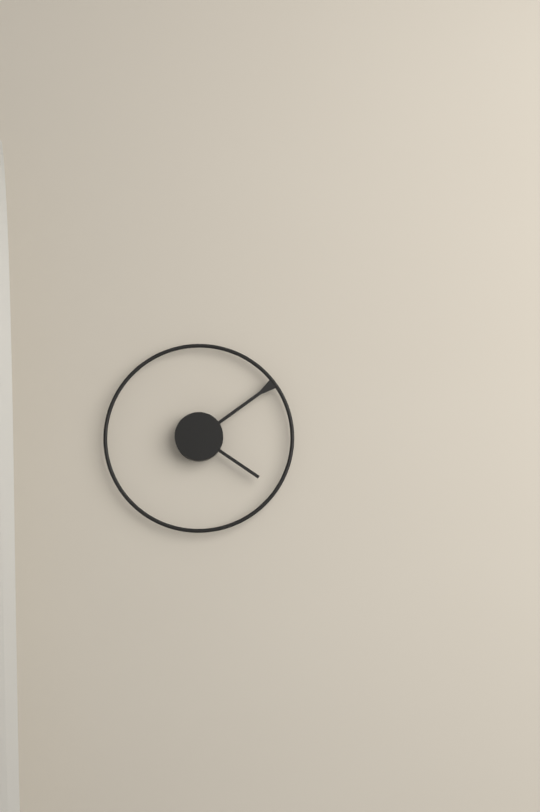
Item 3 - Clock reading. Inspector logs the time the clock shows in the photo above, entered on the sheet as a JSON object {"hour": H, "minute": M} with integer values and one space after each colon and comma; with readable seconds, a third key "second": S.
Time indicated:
{"hour": 4, "minute": 9}
